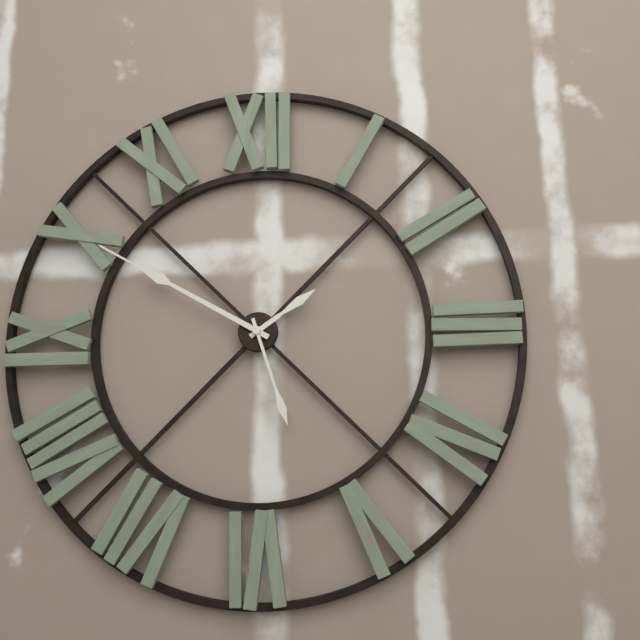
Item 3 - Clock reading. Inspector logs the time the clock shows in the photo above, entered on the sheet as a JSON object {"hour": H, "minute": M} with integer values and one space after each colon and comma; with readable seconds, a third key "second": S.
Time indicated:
{"hour": 1, "minute": 50, "second": 27}
